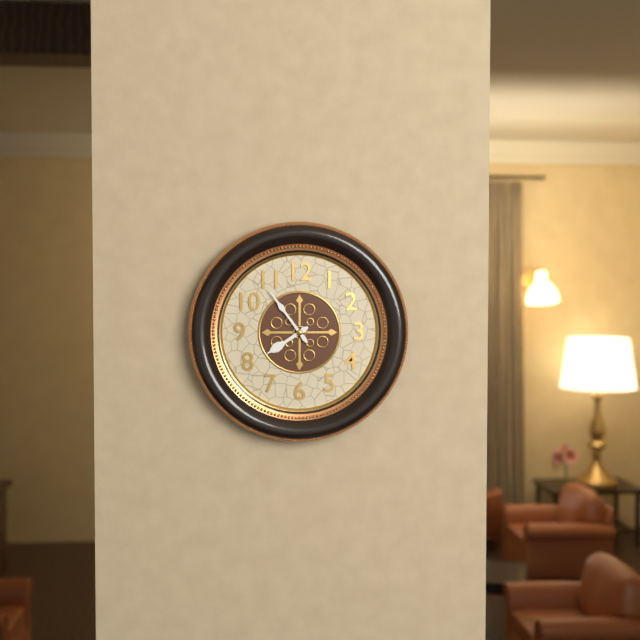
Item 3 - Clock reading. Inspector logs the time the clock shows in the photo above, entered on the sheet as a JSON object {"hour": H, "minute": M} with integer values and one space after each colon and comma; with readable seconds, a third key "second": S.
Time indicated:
{"hour": 7, "minute": 54}
